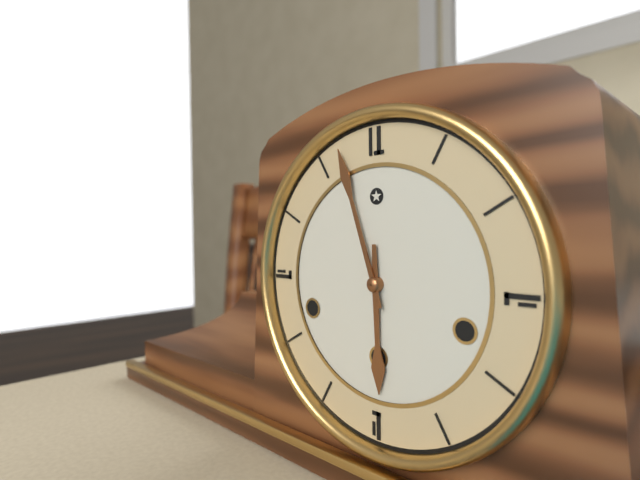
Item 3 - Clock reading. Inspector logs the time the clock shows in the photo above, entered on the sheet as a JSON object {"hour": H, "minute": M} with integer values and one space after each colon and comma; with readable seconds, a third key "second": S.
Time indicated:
{"hour": 5, "minute": 57}
